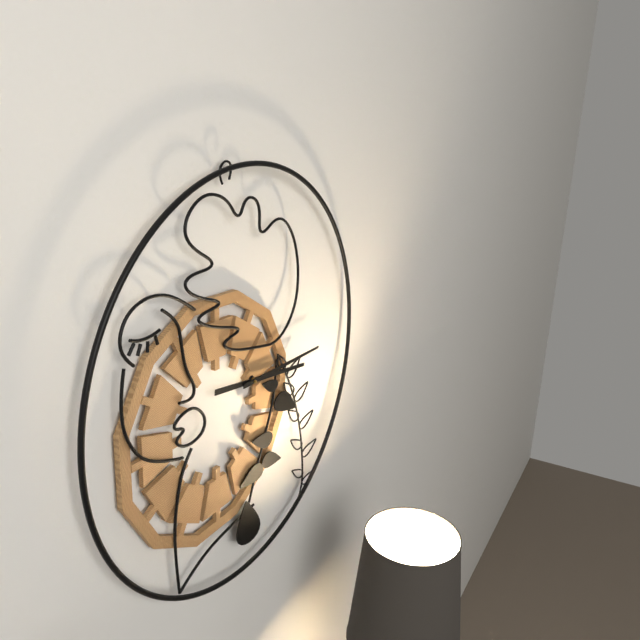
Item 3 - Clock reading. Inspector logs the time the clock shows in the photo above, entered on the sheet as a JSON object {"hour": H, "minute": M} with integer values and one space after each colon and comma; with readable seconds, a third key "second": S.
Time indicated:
{"hour": 3, "minute": 15}
